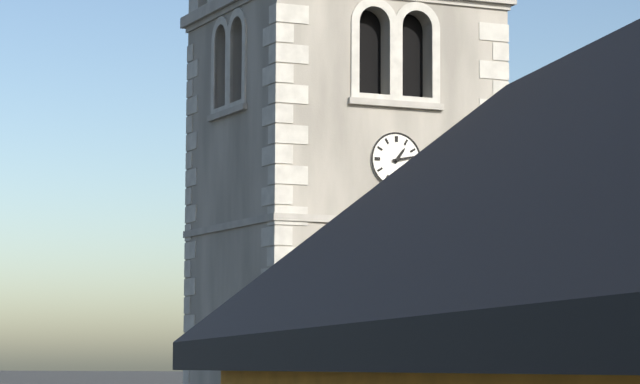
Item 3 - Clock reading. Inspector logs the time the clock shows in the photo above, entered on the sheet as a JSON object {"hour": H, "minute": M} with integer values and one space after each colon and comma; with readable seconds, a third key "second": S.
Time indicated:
{"hour": 1, "minute": 13}
